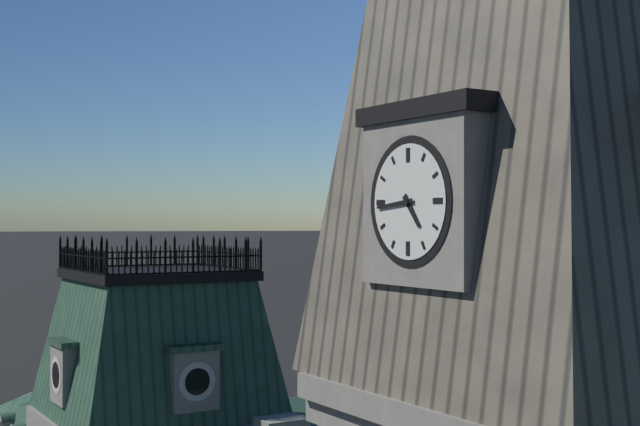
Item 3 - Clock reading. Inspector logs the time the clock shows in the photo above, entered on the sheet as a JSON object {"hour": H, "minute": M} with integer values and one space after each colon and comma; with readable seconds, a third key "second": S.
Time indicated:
{"hour": 4, "minute": 44}
